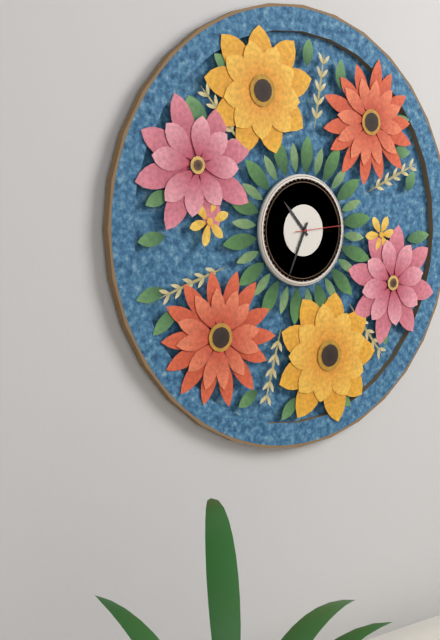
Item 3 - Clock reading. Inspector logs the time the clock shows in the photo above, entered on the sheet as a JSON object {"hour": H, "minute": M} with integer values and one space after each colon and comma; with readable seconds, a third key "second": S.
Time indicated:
{"hour": 10, "minute": 34, "second": 14}
